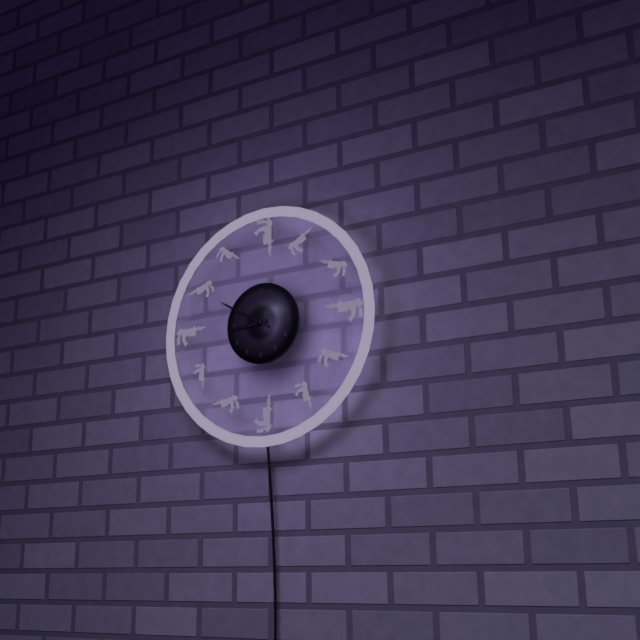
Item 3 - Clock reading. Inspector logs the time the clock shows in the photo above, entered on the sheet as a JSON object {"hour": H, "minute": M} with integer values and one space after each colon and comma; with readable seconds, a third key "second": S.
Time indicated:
{"hour": 8, "minute": 50}
